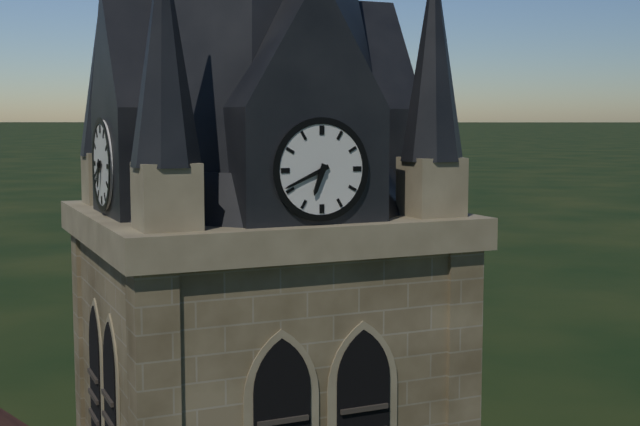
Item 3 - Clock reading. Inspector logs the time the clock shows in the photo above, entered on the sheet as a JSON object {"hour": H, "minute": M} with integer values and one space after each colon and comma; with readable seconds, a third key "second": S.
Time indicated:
{"hour": 6, "minute": 41}
